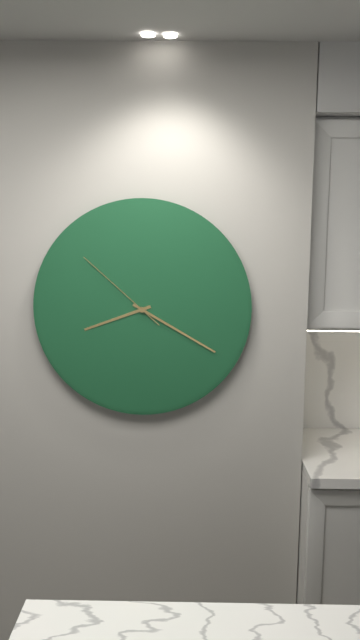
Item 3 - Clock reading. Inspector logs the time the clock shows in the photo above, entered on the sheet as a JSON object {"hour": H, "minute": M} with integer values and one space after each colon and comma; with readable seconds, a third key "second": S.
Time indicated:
{"hour": 8, "minute": 20, "second": 52}
